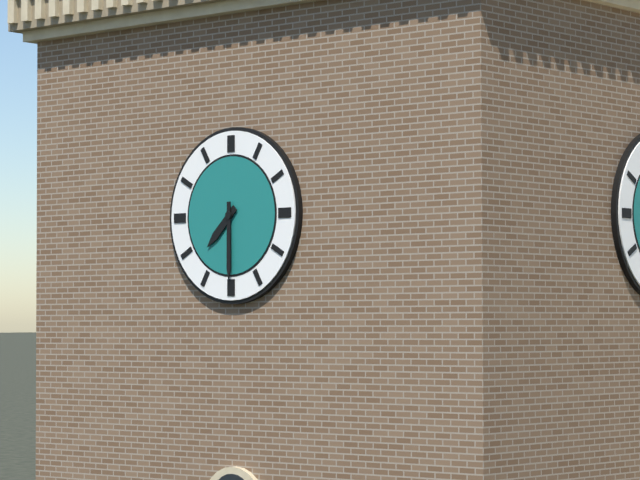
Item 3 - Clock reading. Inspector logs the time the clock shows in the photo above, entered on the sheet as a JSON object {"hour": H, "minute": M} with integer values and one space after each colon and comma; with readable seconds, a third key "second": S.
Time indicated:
{"hour": 7, "minute": 30}
